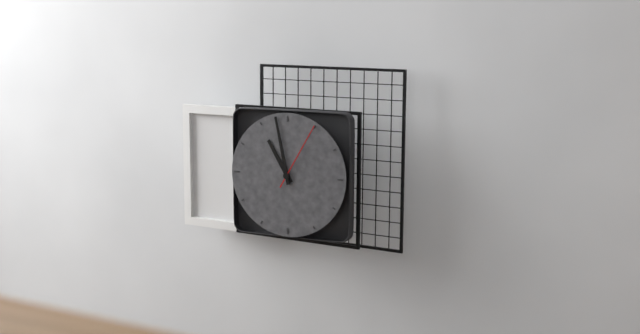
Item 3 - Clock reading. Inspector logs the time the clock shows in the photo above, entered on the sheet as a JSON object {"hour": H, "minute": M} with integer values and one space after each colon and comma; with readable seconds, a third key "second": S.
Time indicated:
{"hour": 10, "minute": 58, "second": 5}
